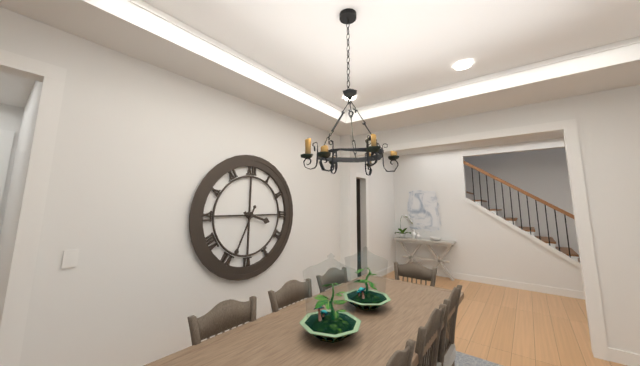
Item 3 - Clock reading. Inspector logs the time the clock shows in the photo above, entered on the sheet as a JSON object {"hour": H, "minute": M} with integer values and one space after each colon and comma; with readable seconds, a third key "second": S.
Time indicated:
{"hour": 3, "minute": 34}
